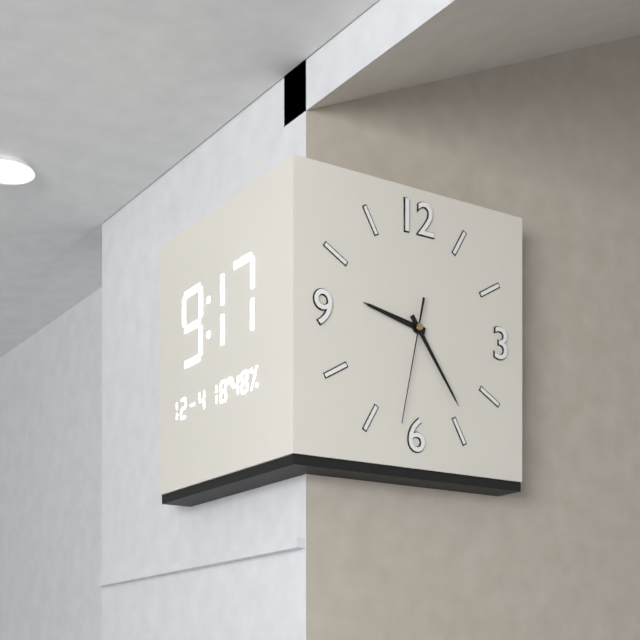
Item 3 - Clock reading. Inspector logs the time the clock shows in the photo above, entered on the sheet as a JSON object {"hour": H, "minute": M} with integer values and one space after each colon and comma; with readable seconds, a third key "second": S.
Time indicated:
{"hour": 9, "minute": 24, "second": 32}
